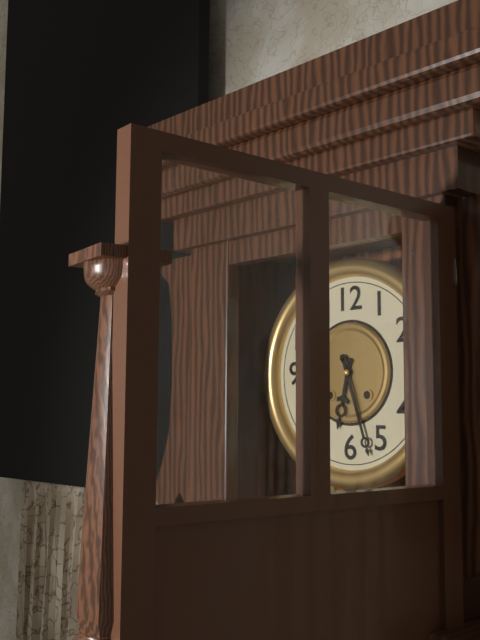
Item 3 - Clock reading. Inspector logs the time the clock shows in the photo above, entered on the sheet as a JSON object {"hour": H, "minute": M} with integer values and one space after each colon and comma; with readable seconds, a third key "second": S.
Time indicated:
{"hour": 6, "minute": 27}
